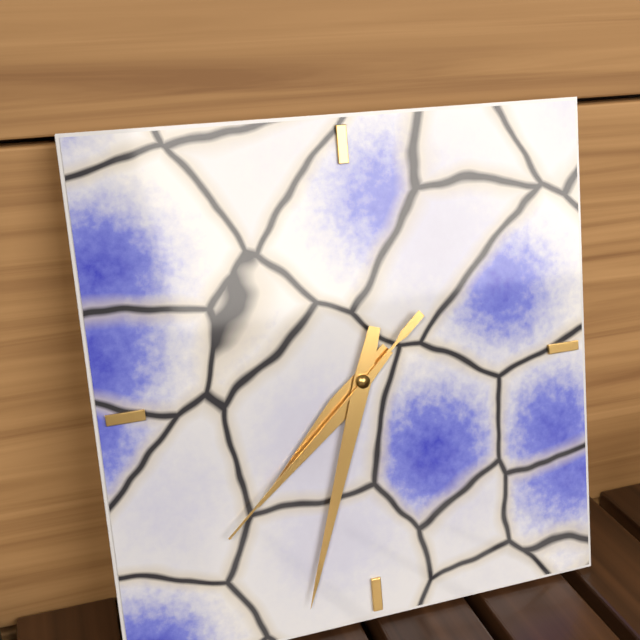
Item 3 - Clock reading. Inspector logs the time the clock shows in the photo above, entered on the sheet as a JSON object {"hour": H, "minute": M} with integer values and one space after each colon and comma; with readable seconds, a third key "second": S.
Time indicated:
{"hour": 7, "minute": 33, "second": 38}
